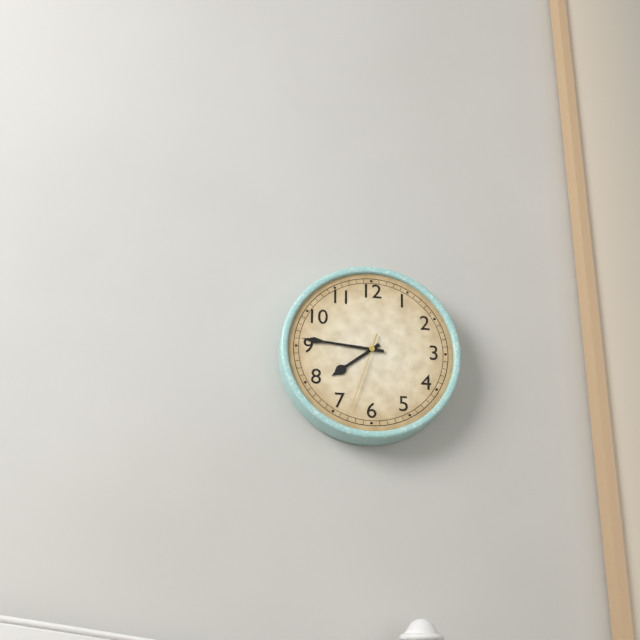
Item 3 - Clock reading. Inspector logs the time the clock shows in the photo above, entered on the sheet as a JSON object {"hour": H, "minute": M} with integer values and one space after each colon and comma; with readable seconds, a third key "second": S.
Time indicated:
{"hour": 7, "minute": 46, "second": 33}
